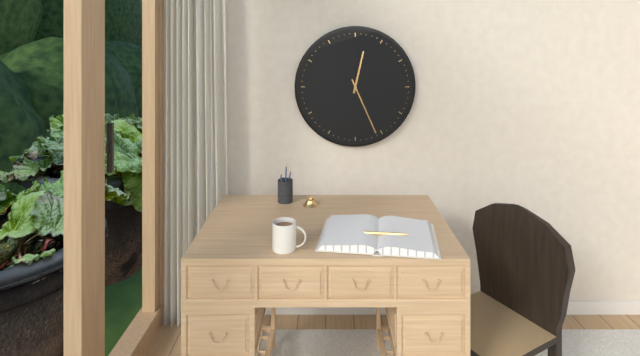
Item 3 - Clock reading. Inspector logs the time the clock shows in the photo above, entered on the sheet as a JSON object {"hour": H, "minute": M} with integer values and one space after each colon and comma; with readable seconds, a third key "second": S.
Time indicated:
{"hour": 12, "minute": 26}
